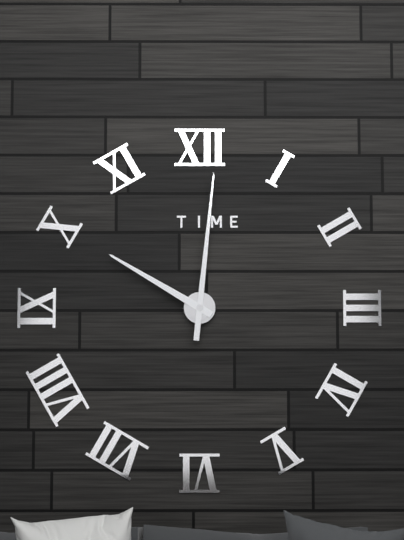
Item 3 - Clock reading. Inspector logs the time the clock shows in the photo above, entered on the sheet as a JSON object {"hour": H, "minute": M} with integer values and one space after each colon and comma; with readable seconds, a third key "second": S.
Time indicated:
{"hour": 10, "minute": 1}
